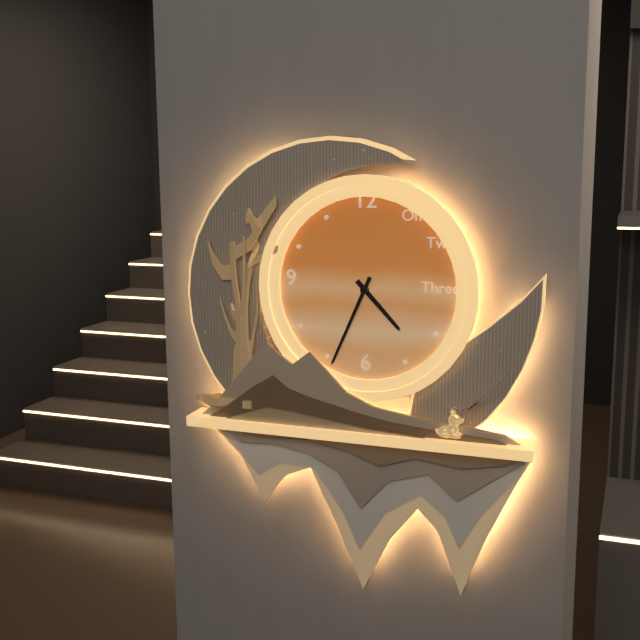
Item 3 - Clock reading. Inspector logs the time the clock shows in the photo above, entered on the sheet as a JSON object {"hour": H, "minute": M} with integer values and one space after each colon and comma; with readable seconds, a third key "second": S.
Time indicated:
{"hour": 4, "minute": 34}
